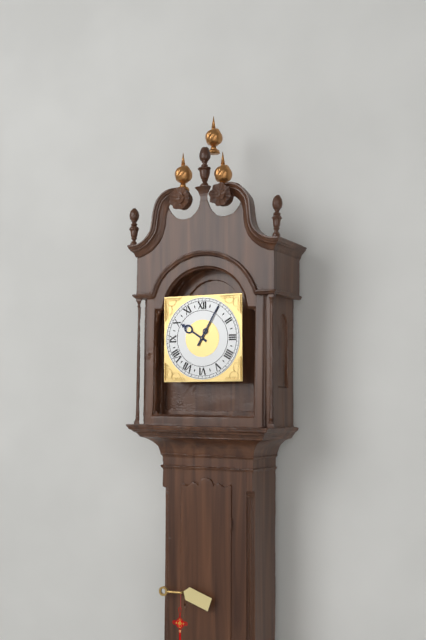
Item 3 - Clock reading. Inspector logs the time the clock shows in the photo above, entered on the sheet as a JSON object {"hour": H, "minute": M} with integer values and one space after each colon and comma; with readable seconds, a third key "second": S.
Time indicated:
{"hour": 10, "minute": 5}
